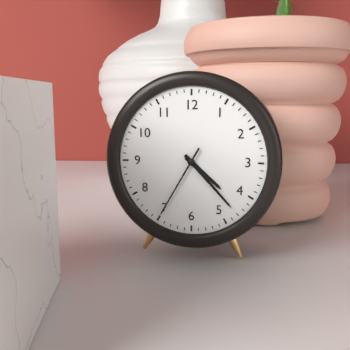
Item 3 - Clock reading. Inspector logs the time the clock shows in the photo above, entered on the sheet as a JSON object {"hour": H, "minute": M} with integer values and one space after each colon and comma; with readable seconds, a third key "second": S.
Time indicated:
{"hour": 4, "minute": 23, "second": 35}
